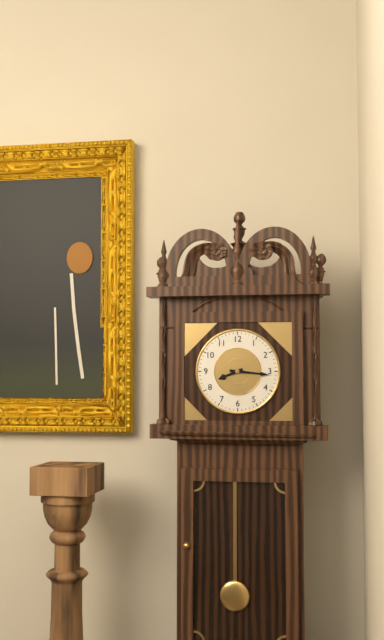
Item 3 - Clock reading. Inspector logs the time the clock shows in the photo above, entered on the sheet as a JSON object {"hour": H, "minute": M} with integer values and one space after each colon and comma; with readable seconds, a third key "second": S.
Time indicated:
{"hour": 8, "minute": 16}
